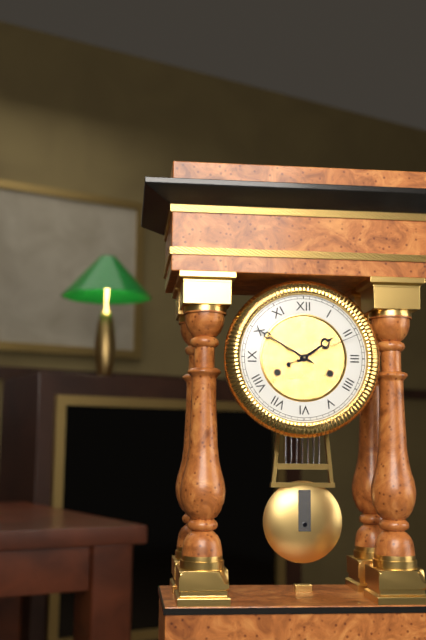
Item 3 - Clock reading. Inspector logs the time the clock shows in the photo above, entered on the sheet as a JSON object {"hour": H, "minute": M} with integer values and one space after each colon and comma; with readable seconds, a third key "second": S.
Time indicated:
{"hour": 1, "minute": 50, "second": 11}
